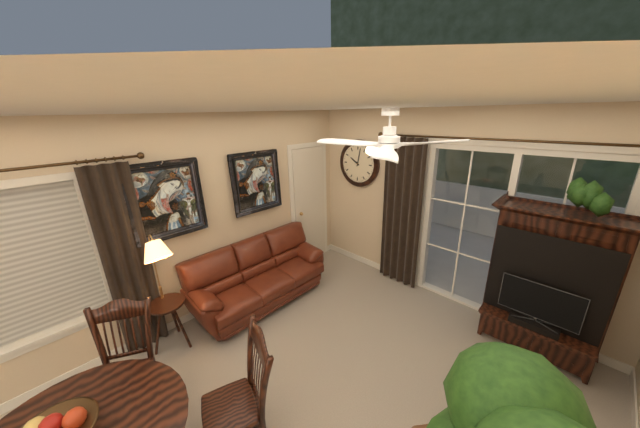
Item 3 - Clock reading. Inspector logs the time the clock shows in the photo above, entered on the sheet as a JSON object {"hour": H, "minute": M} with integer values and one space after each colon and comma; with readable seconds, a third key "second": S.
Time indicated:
{"hour": 10, "minute": 2}
